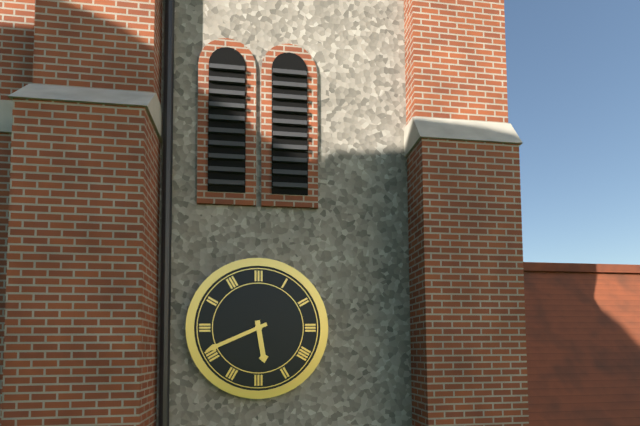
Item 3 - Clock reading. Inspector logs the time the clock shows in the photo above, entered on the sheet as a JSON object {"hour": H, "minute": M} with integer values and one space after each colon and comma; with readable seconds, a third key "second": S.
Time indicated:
{"hour": 5, "minute": 41}
